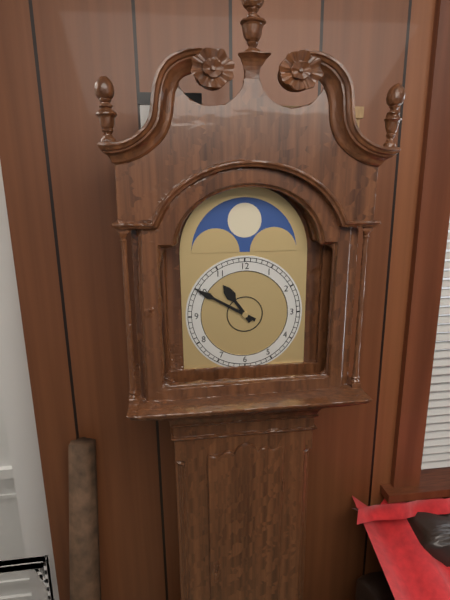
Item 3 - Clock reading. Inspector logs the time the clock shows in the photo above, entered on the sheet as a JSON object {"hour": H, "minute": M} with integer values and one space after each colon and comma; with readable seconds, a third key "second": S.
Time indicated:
{"hour": 10, "minute": 50}
